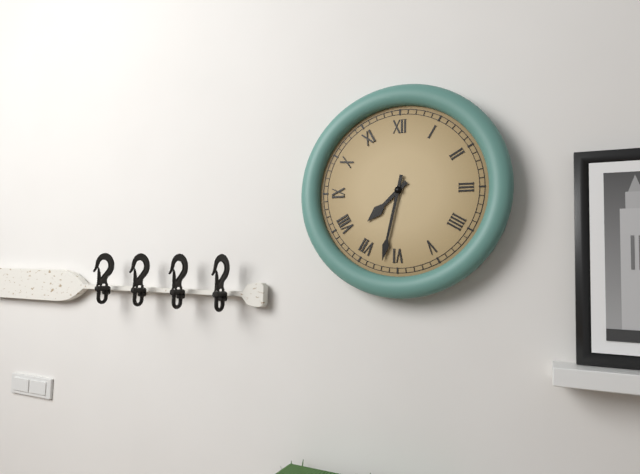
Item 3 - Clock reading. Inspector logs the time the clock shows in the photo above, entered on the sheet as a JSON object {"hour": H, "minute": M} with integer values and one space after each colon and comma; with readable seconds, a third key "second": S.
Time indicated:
{"hour": 7, "minute": 32}
